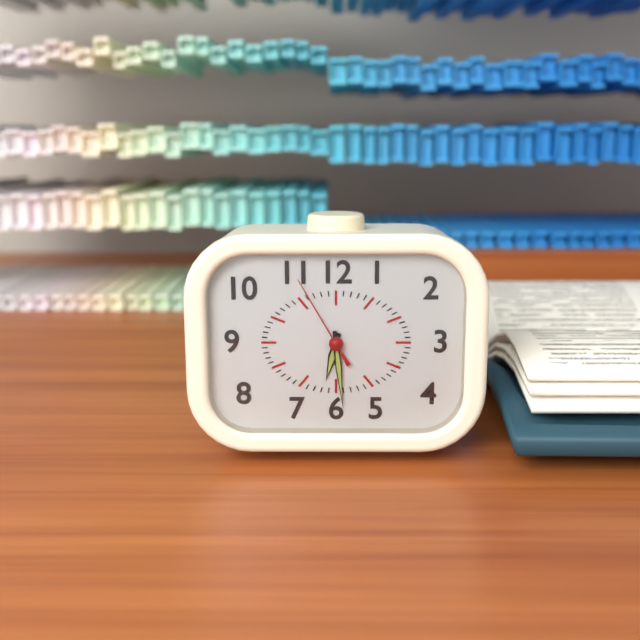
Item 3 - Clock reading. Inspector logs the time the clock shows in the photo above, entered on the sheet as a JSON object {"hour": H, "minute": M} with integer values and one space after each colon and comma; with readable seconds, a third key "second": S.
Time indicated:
{"hour": 6, "minute": 29, "second": 55}
